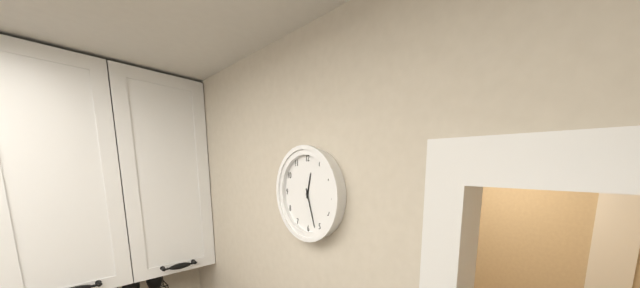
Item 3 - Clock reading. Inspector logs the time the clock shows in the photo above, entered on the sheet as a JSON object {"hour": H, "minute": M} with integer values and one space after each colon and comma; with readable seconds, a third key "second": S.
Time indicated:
{"hour": 12, "minute": 27}
